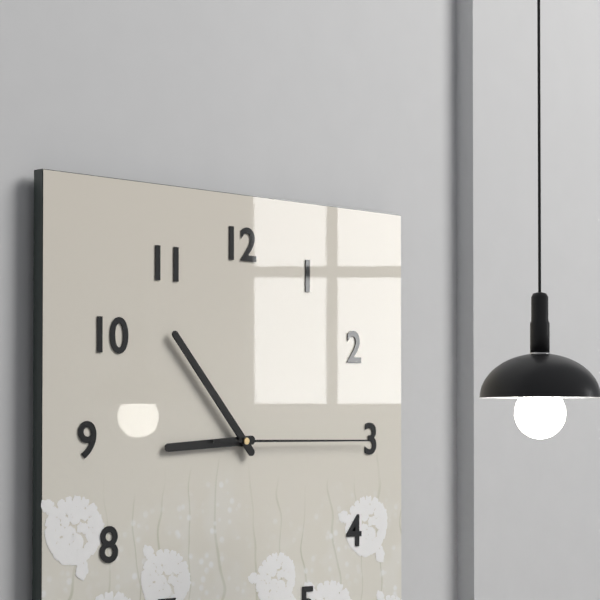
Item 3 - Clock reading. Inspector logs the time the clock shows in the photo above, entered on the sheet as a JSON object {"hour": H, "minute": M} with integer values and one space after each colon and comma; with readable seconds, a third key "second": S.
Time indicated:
{"hour": 8, "minute": 53, "second": 15}
